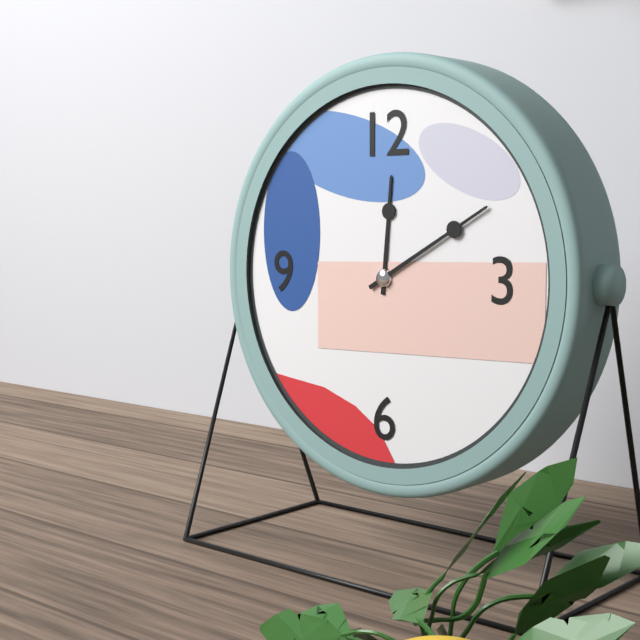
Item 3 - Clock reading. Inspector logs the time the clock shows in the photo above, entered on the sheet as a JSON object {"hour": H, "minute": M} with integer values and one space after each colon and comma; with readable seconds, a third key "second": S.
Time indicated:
{"hour": 12, "minute": 10}
